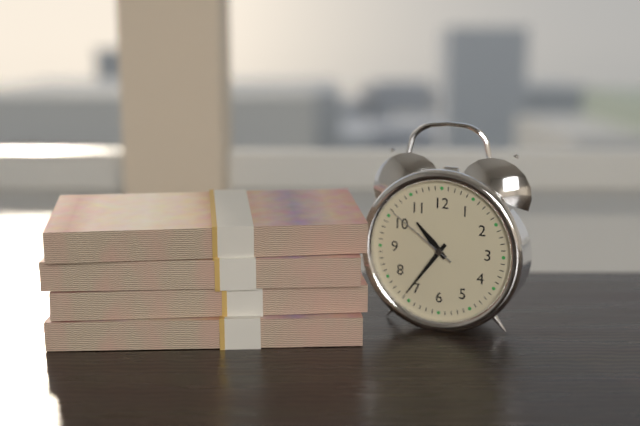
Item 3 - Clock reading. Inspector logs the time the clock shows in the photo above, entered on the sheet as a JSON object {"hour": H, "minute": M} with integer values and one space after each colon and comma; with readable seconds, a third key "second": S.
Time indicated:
{"hour": 10, "minute": 36, "second": 51}
